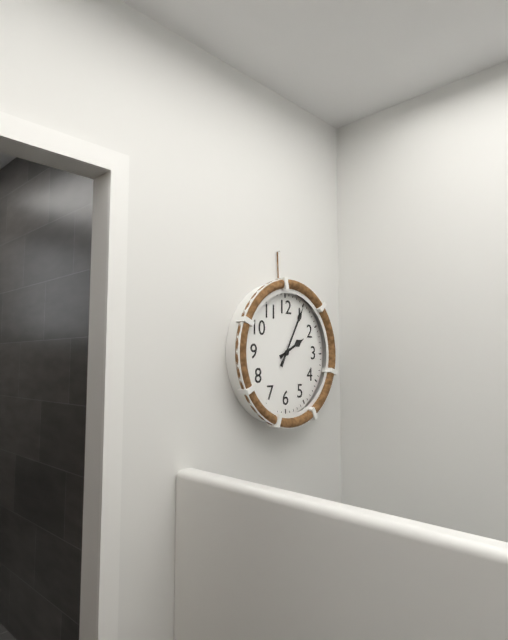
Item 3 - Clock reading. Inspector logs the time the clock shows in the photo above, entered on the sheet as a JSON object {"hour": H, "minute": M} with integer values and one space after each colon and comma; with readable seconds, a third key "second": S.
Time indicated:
{"hour": 2, "minute": 5}
